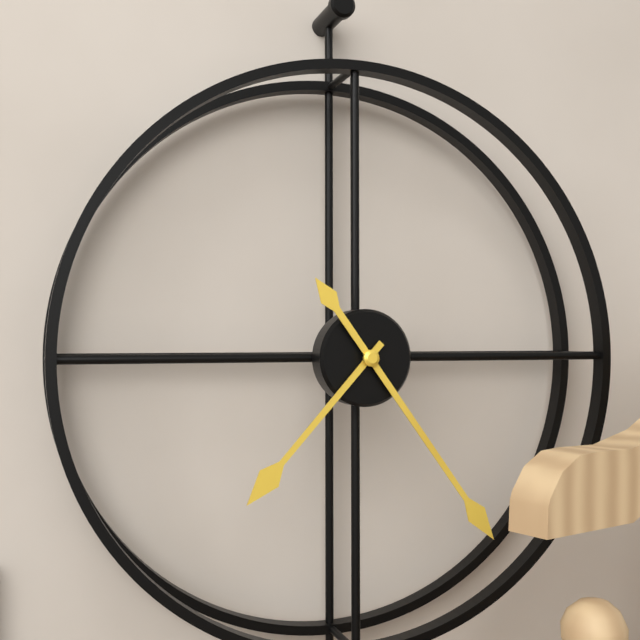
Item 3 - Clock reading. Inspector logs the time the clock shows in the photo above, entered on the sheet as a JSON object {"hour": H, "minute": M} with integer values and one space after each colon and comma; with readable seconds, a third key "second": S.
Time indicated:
{"hour": 7, "minute": 24}
